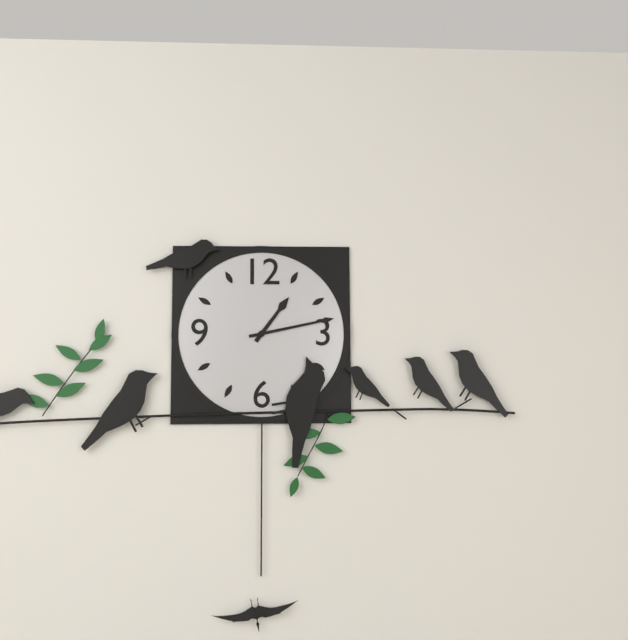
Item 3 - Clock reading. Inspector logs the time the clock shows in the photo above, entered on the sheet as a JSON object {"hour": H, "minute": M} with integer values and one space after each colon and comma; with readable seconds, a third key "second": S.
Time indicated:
{"hour": 1, "minute": 13}
